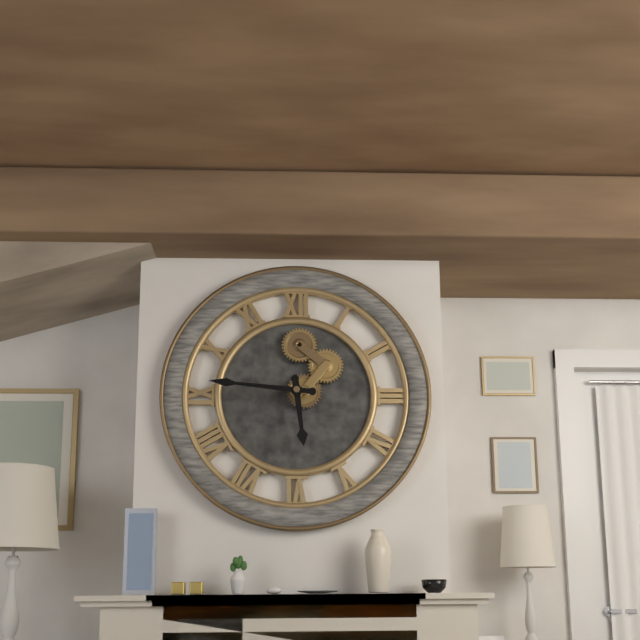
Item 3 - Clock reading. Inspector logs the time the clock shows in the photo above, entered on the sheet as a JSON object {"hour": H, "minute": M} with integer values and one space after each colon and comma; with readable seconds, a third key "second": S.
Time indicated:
{"hour": 5, "minute": 46}
